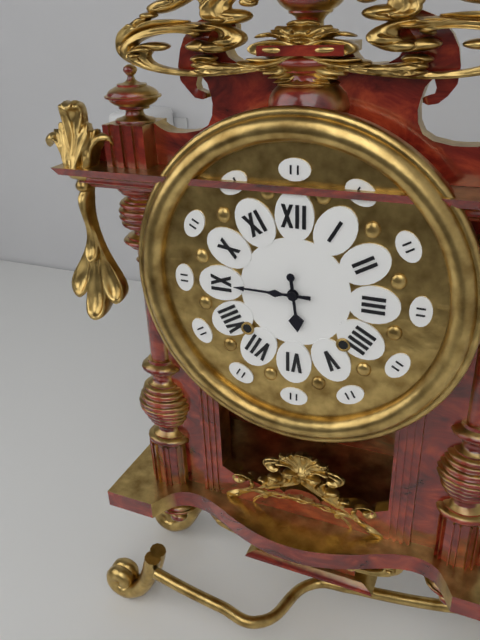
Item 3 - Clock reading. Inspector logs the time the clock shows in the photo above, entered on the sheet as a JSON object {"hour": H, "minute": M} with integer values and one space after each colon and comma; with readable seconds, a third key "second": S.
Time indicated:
{"hour": 5, "minute": 45}
